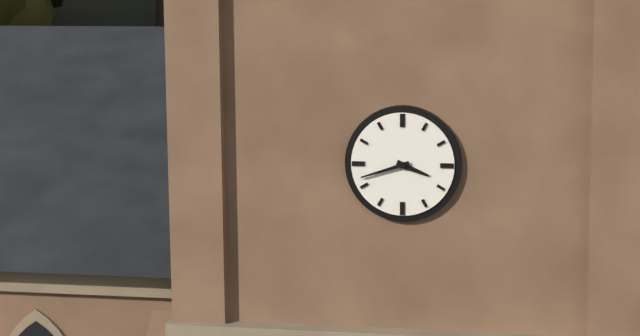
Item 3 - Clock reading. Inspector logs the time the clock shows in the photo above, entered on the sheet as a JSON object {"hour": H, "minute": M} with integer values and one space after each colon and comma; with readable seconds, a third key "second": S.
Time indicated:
{"hour": 3, "minute": 42}
